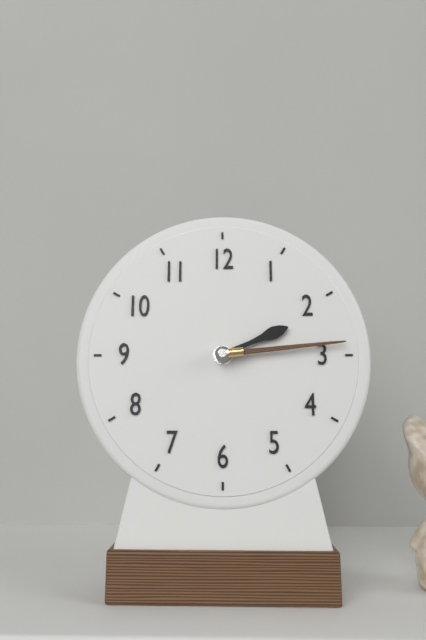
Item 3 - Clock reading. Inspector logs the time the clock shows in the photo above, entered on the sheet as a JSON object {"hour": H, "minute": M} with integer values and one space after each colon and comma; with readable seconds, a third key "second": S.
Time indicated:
{"hour": 2, "minute": 14}
